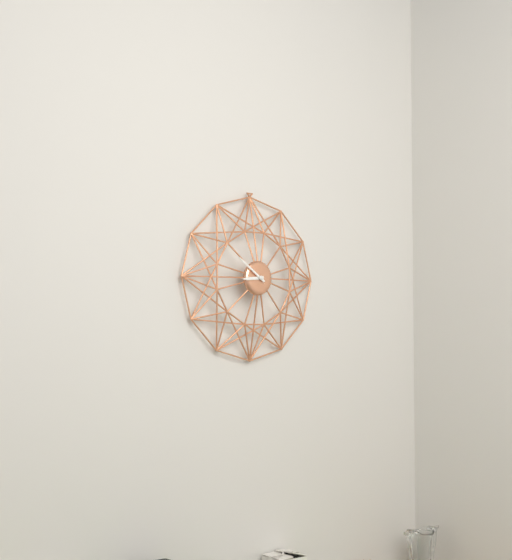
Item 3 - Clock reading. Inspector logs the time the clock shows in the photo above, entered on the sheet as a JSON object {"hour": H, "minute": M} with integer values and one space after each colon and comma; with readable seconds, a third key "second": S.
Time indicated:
{"hour": 8, "minute": 51}
